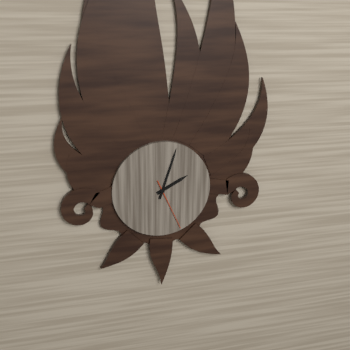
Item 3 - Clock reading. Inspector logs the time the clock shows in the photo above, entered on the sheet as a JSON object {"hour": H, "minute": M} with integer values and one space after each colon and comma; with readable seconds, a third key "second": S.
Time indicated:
{"hour": 2, "minute": 3, "second": 26}
